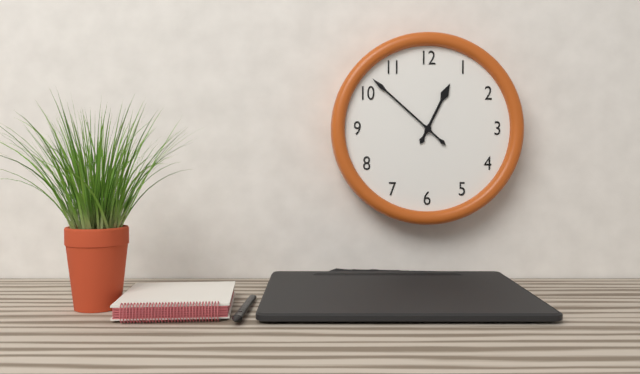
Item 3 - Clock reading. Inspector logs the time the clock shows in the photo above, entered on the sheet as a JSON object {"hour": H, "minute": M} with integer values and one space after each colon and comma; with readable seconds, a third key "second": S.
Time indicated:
{"hour": 12, "minute": 52}
